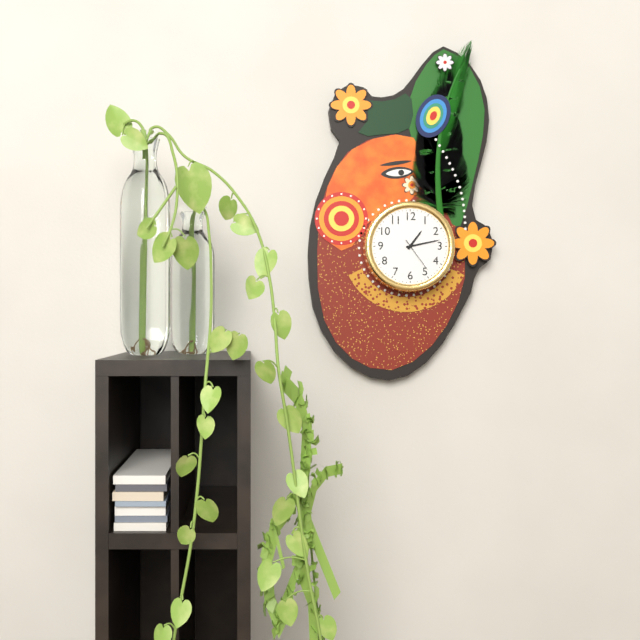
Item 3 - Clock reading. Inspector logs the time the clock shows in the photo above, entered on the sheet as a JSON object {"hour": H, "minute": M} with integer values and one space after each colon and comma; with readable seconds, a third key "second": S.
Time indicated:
{"hour": 1, "minute": 13}
